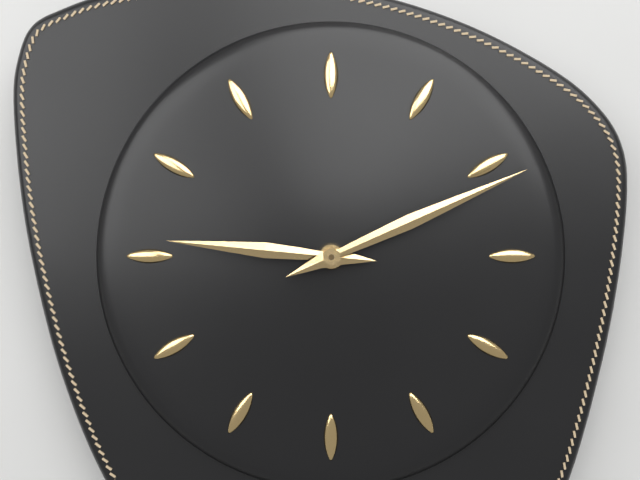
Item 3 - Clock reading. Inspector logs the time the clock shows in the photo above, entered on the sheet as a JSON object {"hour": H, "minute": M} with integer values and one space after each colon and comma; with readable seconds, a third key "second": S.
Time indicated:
{"hour": 9, "minute": 11}
